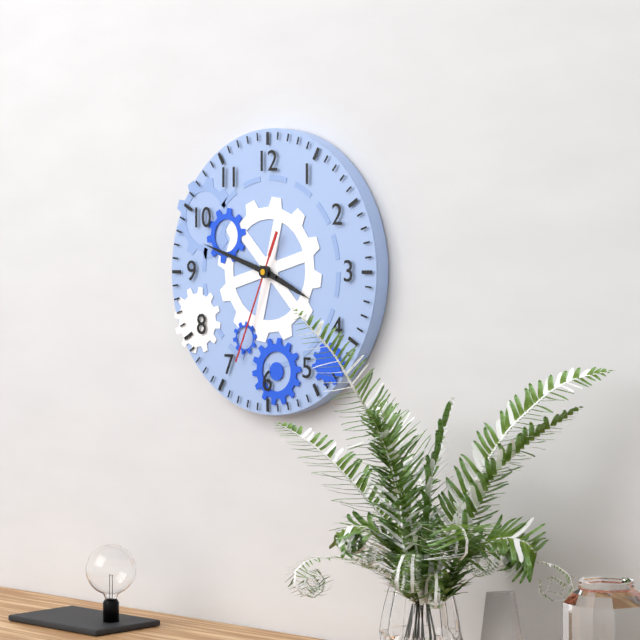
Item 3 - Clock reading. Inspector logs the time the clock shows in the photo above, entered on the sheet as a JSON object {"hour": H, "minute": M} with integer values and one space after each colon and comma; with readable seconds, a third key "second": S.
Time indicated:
{"hour": 3, "minute": 48, "second": 34}
